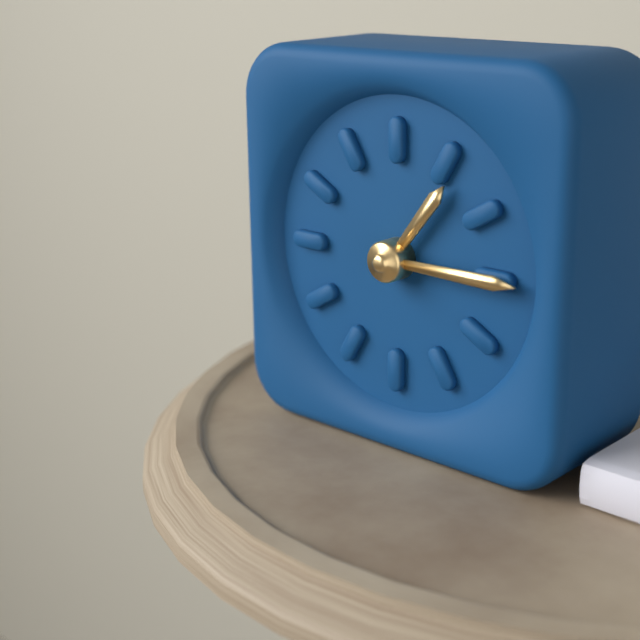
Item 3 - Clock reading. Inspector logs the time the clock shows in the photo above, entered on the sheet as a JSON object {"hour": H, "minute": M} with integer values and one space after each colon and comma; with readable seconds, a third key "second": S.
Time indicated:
{"hour": 1, "minute": 15}
